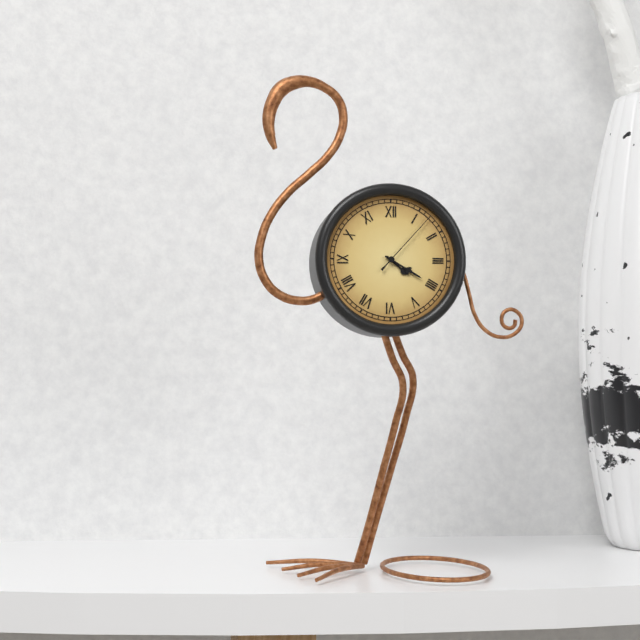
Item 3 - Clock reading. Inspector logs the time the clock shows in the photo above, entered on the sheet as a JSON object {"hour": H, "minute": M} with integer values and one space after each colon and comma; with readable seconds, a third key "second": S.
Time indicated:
{"hour": 4, "minute": 20, "second": 7}
